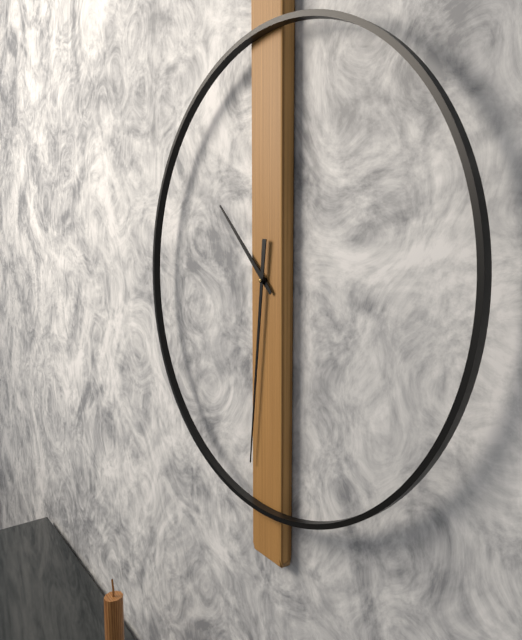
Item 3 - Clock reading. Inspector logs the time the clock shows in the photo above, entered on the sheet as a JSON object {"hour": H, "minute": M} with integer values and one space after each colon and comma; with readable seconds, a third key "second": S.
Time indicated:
{"hour": 10, "minute": 31}
